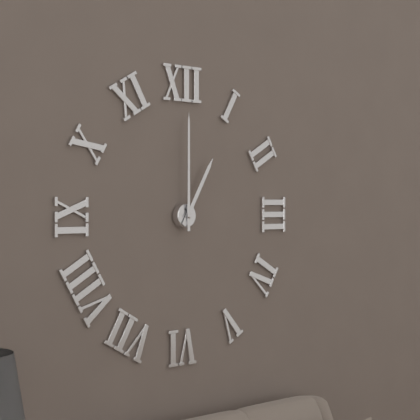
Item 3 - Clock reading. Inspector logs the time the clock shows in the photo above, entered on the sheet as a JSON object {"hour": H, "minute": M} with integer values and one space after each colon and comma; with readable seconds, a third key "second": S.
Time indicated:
{"hour": 1, "minute": 0}
